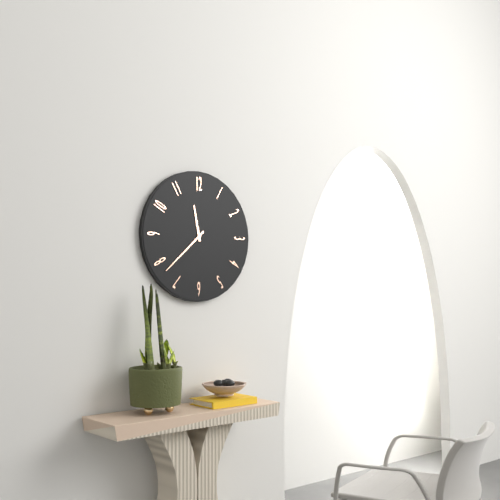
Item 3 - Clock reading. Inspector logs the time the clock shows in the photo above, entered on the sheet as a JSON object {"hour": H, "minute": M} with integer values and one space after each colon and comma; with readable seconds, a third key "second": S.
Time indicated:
{"hour": 11, "minute": 38}
